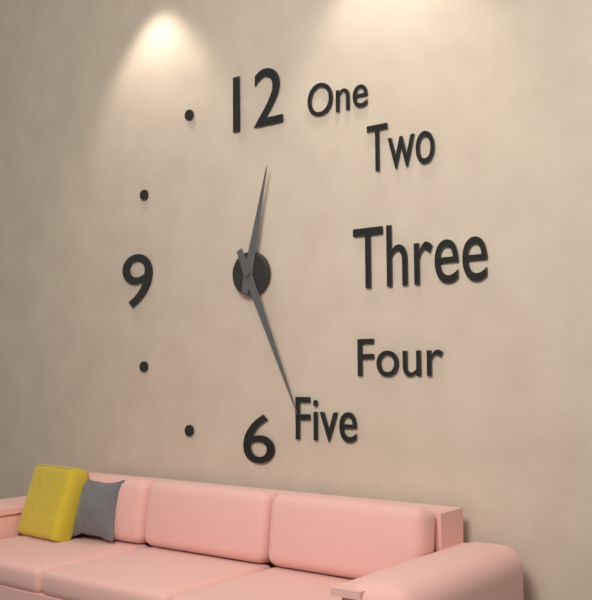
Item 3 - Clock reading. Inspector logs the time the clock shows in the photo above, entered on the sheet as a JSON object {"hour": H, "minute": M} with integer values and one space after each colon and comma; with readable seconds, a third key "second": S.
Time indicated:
{"hour": 12, "minute": 26}
